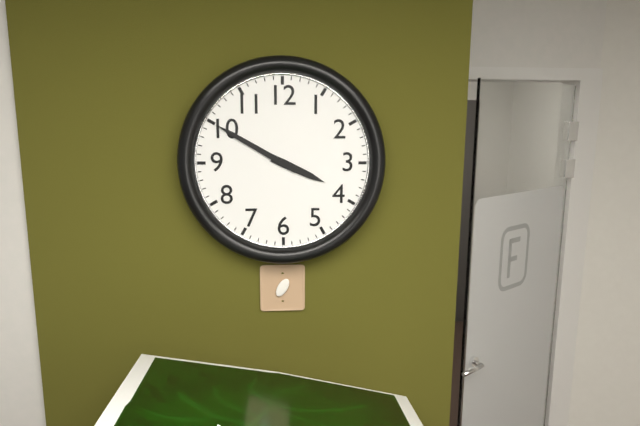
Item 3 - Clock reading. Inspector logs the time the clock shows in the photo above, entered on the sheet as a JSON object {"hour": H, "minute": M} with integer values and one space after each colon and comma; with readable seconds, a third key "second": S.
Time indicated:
{"hour": 3, "minute": 50}
